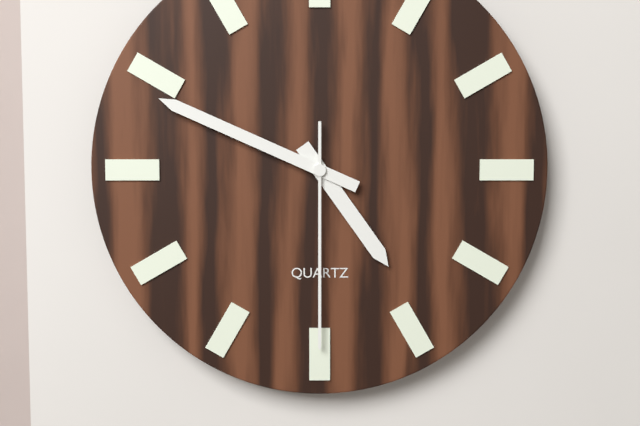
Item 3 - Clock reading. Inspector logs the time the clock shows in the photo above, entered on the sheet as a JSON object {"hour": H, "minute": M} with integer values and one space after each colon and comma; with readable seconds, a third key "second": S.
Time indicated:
{"hour": 4, "minute": 49, "second": 30}
